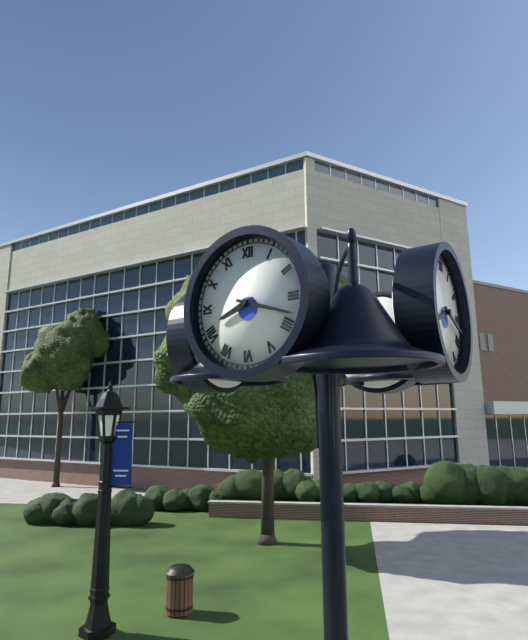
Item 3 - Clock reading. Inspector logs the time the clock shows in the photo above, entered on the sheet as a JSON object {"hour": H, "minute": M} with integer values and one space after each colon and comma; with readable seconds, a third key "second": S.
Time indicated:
{"hour": 8, "minute": 18}
